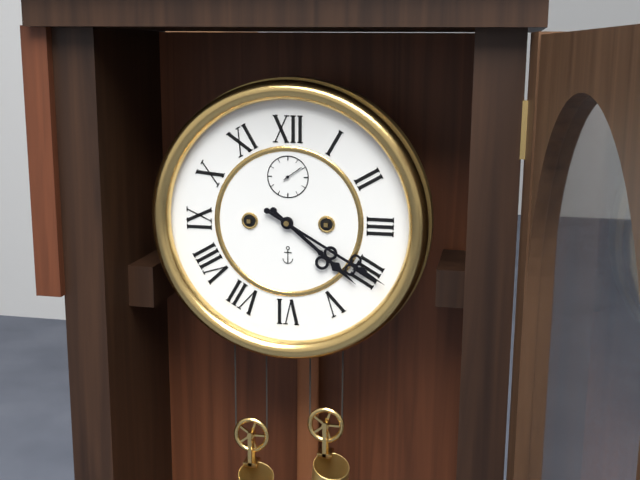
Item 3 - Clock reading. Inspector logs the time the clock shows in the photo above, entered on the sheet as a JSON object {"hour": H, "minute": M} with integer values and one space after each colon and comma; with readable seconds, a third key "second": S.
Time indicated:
{"hour": 4, "minute": 20}
